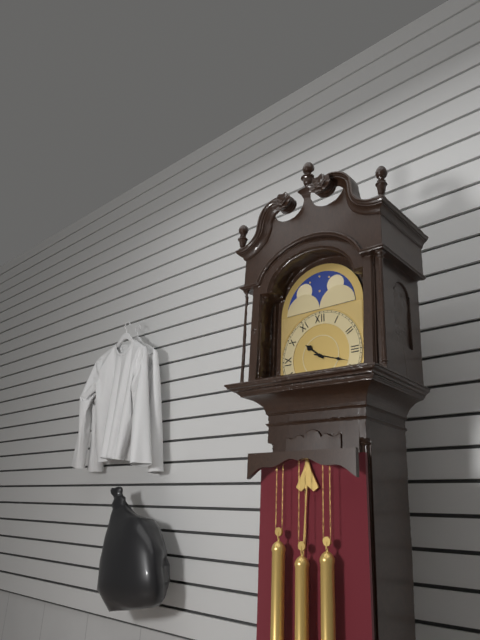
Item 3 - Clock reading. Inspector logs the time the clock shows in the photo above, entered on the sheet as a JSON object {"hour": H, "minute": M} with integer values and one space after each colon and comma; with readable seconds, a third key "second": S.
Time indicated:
{"hour": 10, "minute": 18}
